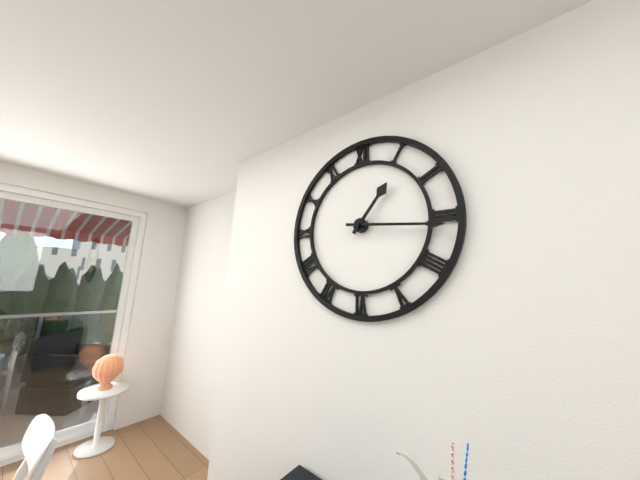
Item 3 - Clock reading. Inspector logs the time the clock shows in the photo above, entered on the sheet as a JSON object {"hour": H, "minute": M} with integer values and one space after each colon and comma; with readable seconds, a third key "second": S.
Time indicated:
{"hour": 1, "minute": 16}
